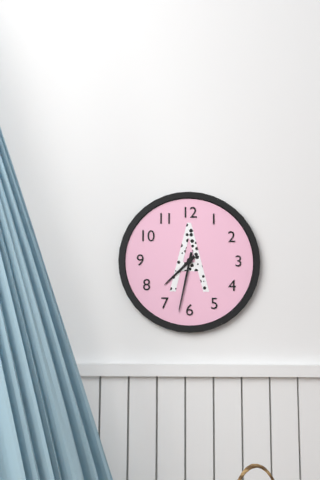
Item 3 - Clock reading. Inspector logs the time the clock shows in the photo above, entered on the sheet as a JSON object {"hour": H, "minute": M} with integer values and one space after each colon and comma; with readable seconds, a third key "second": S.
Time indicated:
{"hour": 7, "minute": 32}
